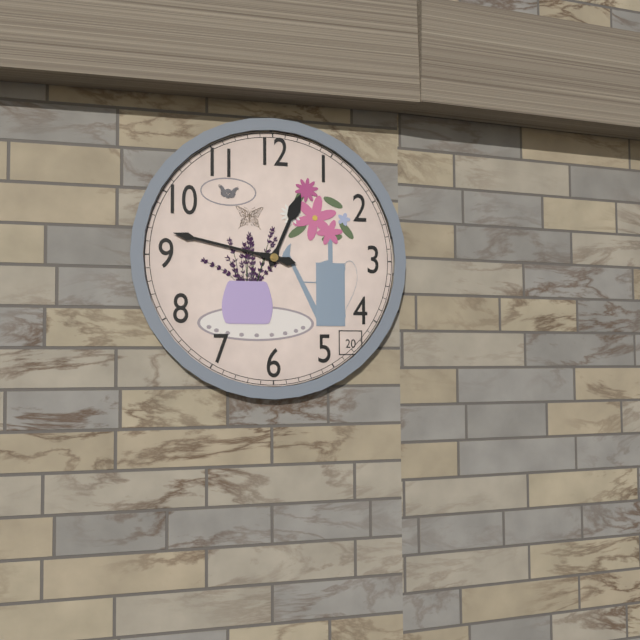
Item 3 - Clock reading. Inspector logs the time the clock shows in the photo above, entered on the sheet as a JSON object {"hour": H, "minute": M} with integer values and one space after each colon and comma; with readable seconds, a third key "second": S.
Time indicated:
{"hour": 12, "minute": 47}
